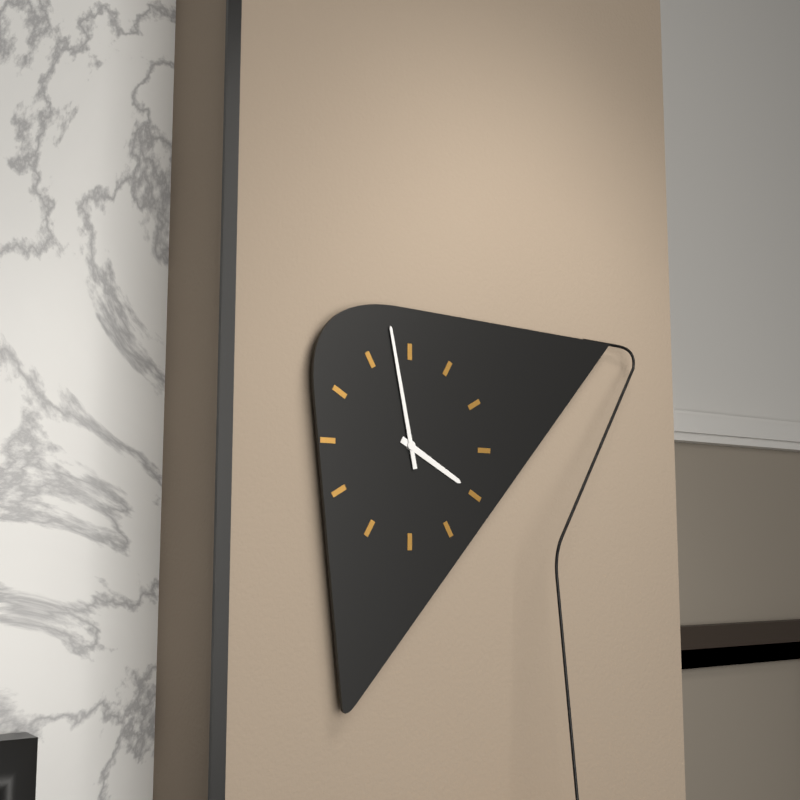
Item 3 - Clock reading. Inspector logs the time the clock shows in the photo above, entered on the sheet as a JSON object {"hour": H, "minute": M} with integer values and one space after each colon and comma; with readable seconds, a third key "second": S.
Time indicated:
{"hour": 3, "minute": 58}
